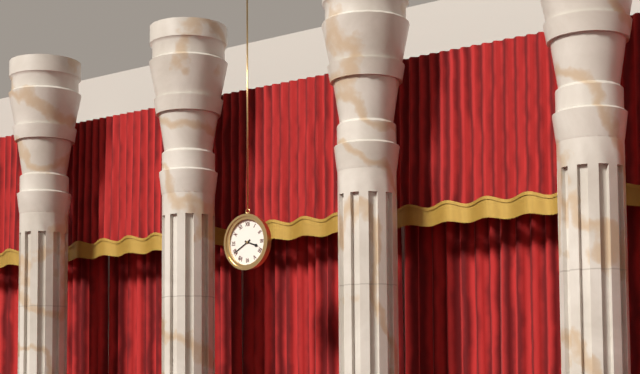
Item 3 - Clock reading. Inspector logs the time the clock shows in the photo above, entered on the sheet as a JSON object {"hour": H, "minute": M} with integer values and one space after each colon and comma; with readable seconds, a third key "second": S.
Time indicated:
{"hour": 3, "minute": 40}
